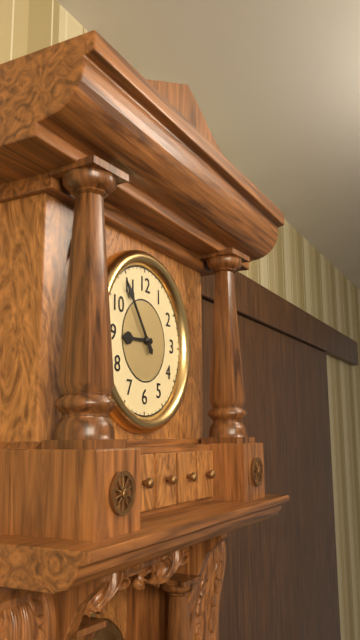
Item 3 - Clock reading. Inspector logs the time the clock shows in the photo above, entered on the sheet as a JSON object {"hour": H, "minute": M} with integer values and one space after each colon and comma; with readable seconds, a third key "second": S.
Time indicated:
{"hour": 8, "minute": 54}
